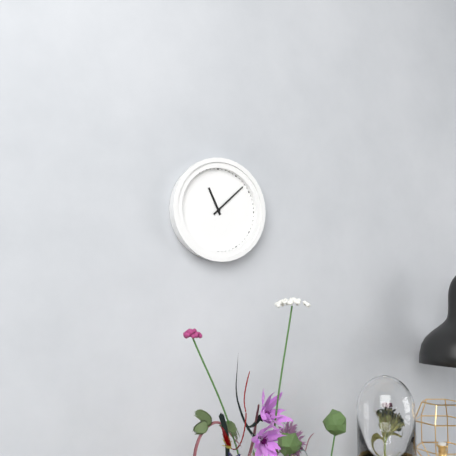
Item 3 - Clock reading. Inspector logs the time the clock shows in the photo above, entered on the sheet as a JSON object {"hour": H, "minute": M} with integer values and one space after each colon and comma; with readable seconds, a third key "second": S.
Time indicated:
{"hour": 11, "minute": 8}
